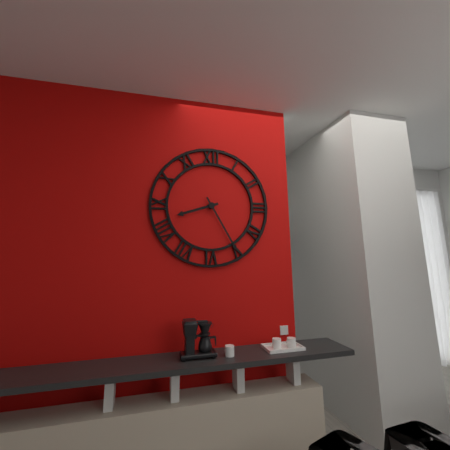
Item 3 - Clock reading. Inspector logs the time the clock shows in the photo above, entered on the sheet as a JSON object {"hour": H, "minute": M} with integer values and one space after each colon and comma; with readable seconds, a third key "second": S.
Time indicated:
{"hour": 8, "minute": 25}
